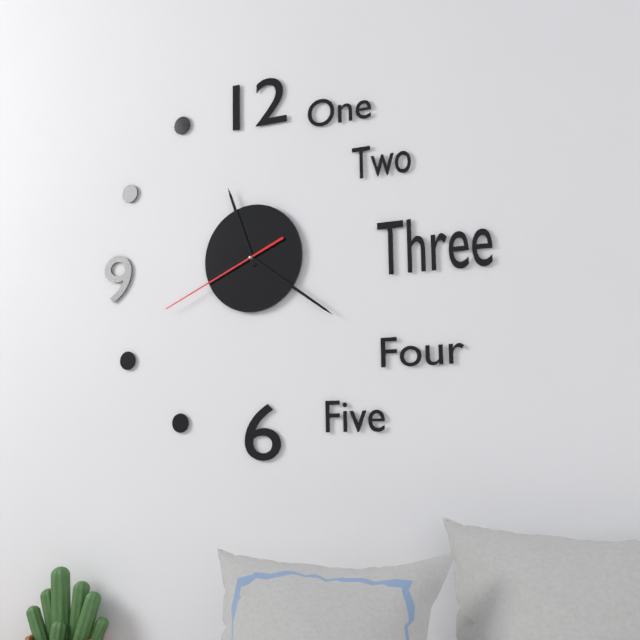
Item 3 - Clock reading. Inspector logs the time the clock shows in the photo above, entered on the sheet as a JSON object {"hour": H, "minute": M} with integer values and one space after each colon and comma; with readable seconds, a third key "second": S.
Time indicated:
{"hour": 11, "minute": 21, "second": 41}
